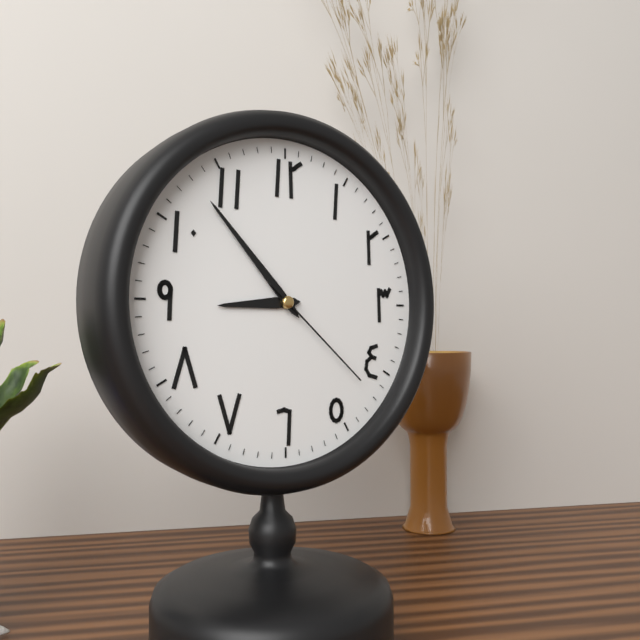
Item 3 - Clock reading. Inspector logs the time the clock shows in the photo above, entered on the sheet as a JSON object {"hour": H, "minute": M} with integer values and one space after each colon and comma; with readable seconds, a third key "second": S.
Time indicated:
{"hour": 8, "minute": 53, "second": 22}
